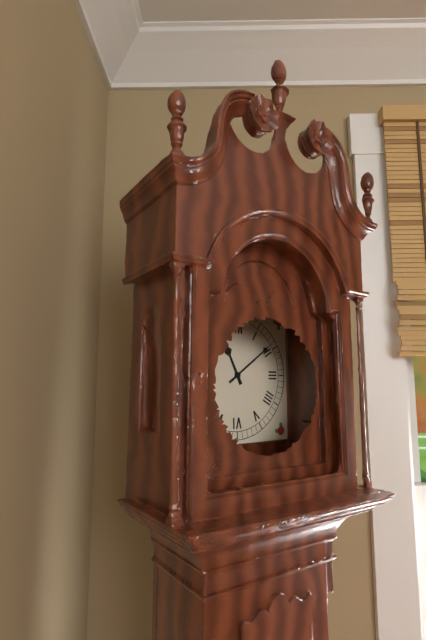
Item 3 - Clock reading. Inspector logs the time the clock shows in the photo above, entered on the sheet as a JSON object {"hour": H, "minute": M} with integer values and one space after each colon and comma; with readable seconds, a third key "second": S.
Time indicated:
{"hour": 11, "minute": 9}
